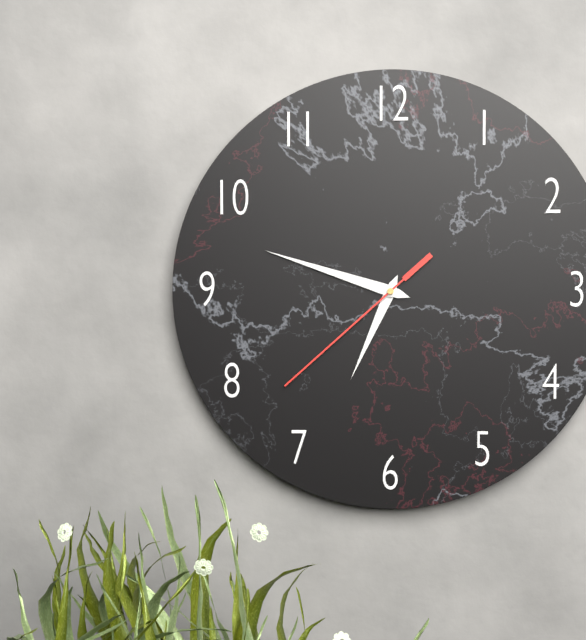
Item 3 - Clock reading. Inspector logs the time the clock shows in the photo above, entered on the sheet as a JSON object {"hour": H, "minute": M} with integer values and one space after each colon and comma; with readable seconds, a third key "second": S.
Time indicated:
{"hour": 6, "minute": 48, "second": 38}
